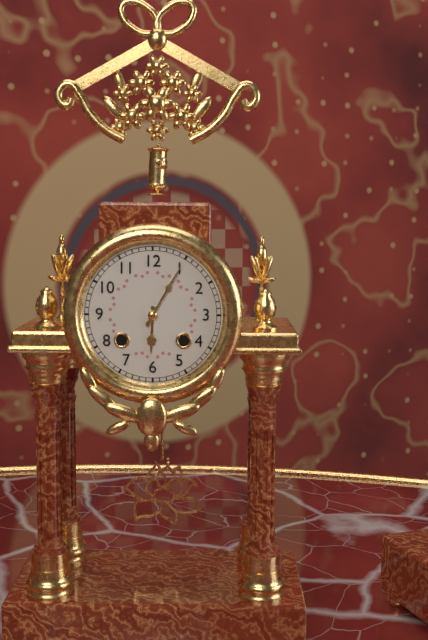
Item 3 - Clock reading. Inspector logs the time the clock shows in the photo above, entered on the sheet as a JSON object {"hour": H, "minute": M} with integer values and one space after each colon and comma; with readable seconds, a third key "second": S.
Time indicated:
{"hour": 6, "minute": 5}
